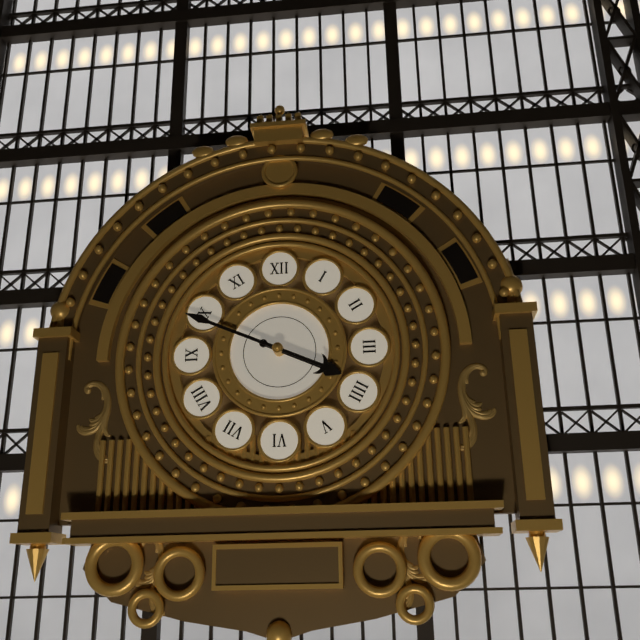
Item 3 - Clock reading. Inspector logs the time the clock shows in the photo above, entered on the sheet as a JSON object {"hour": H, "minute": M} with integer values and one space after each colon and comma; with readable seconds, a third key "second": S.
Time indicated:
{"hour": 3, "minute": 49}
